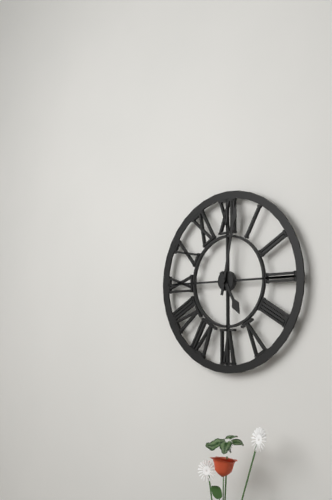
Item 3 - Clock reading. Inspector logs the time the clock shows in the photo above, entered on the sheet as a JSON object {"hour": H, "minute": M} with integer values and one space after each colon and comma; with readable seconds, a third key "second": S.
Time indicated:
{"hour": 5, "minute": 2}
